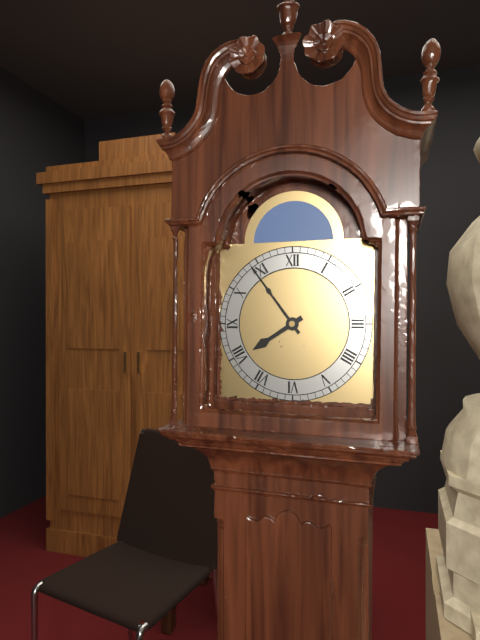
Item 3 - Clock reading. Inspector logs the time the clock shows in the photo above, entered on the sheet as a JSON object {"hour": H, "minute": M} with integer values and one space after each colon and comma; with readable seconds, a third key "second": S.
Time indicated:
{"hour": 7, "minute": 54}
